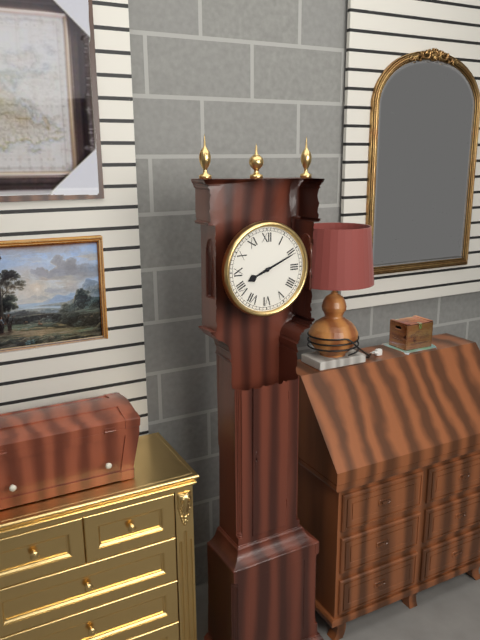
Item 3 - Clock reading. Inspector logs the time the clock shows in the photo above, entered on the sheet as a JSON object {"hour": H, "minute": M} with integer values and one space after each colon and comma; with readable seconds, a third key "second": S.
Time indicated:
{"hour": 8, "minute": 11}
